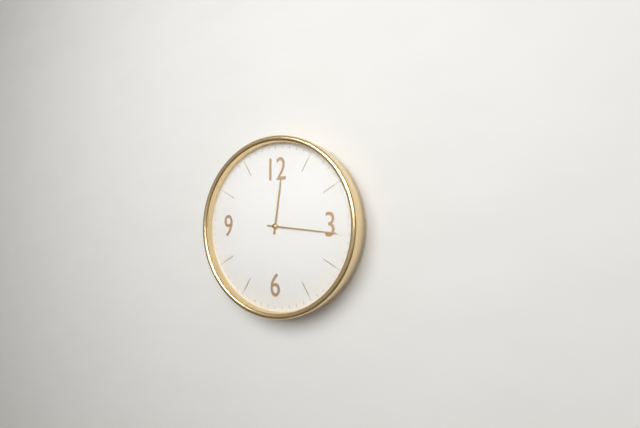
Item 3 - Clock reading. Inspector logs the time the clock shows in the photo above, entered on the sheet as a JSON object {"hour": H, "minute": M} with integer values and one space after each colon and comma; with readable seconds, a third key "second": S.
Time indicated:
{"hour": 12, "minute": 16}
